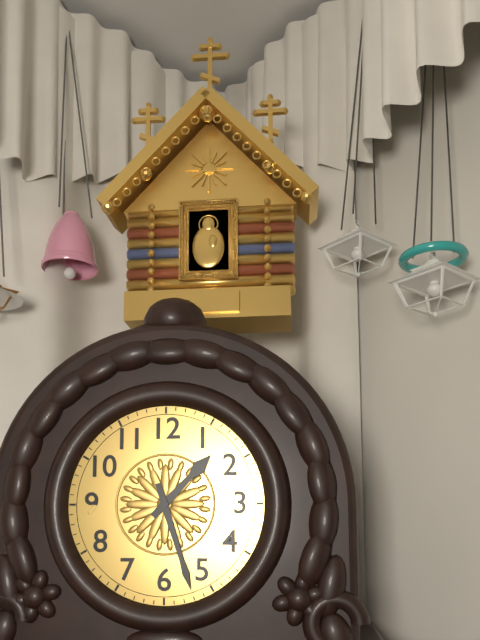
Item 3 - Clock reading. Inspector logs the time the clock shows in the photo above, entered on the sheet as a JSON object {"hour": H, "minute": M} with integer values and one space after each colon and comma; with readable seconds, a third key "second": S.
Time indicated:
{"hour": 1, "minute": 27}
